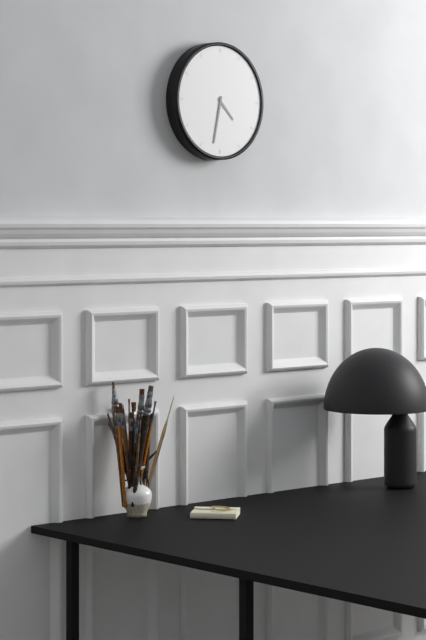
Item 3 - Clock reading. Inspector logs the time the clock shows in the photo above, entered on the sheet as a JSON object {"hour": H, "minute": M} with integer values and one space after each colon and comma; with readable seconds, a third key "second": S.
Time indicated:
{"hour": 4, "minute": 32}
